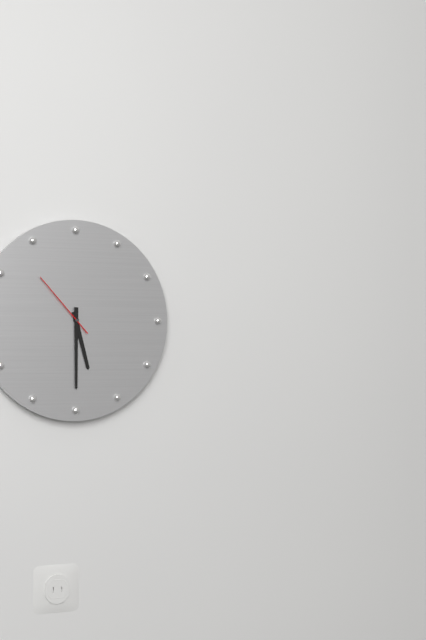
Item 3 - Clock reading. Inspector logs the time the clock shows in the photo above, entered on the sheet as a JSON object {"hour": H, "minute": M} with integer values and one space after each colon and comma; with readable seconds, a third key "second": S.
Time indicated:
{"hour": 5, "minute": 30, "second": 53}
